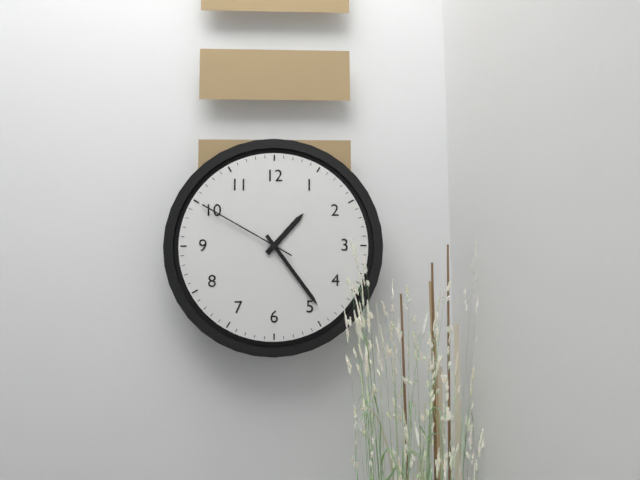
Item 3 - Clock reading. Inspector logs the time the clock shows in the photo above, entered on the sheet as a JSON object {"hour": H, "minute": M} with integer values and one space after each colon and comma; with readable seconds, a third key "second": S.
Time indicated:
{"hour": 1, "minute": 24, "second": 50}
